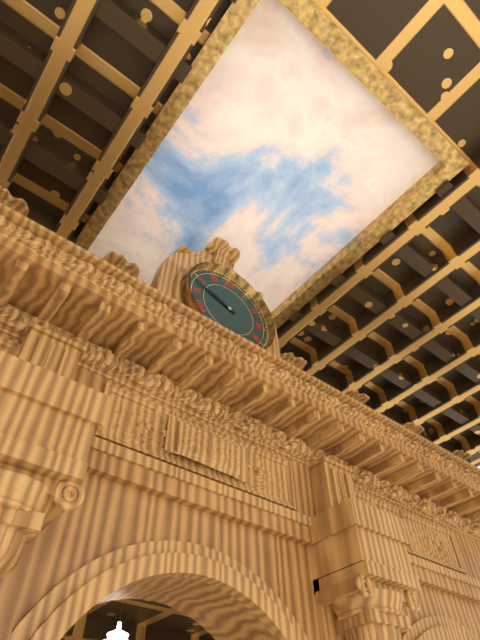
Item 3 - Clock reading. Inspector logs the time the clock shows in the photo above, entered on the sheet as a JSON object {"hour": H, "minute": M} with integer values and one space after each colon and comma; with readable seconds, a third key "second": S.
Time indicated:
{"hour": 9, "minute": 48}
